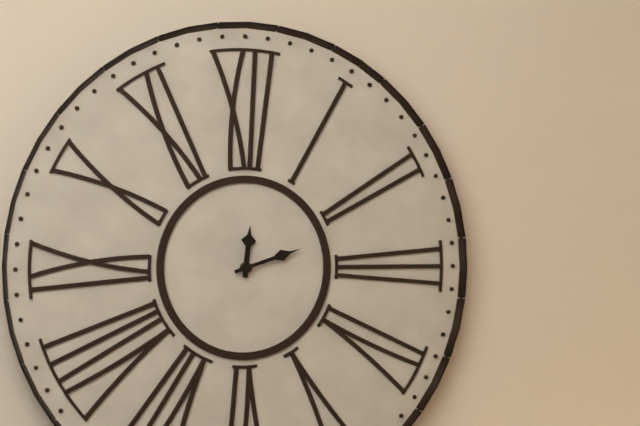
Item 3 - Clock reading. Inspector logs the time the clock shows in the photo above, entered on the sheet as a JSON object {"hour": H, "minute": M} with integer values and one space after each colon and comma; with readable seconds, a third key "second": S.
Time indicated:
{"hour": 12, "minute": 12}
